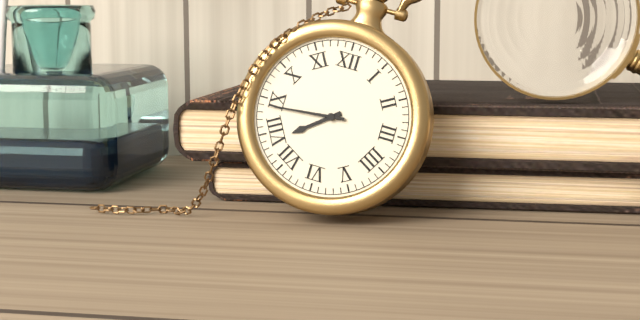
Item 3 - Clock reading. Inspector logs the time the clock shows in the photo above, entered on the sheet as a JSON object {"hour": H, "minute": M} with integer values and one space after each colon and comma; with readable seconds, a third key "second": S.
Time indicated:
{"hour": 7, "minute": 44}
